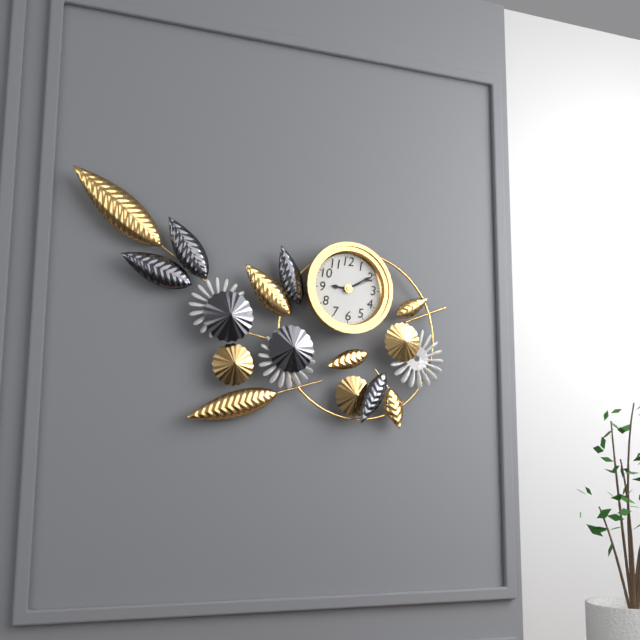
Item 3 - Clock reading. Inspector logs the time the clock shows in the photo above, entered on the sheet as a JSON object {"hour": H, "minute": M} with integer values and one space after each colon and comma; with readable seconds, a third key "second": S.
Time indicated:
{"hour": 9, "minute": 10}
